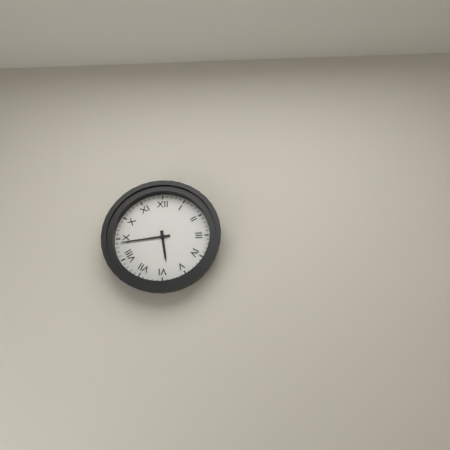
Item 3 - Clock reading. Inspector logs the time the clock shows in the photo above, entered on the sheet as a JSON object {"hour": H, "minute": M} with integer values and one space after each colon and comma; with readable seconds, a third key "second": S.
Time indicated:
{"hour": 5, "minute": 44}
